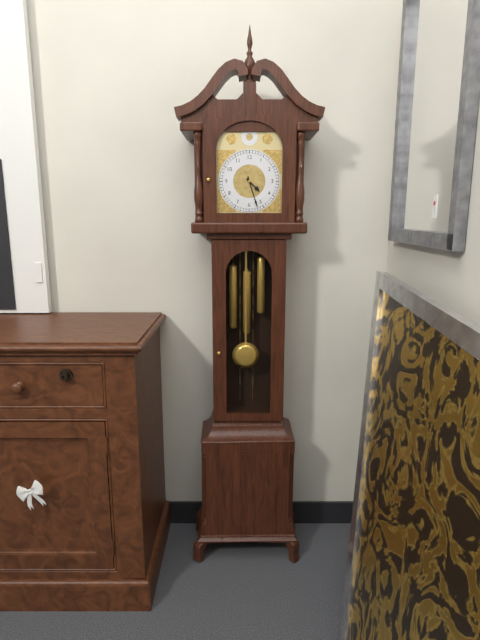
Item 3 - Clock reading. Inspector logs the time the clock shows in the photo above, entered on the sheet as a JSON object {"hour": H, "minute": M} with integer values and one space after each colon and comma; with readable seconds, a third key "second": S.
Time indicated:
{"hour": 4, "minute": 27}
